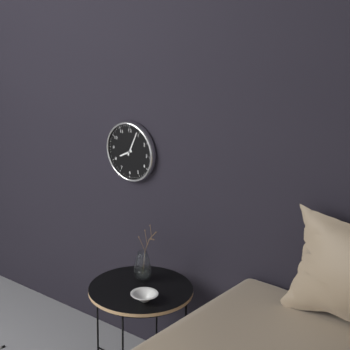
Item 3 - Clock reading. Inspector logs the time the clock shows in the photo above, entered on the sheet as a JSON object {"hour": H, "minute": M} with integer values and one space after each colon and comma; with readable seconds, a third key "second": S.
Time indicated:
{"hour": 8, "minute": 4}
